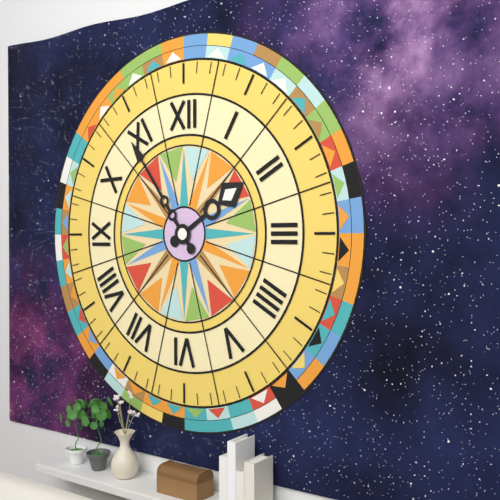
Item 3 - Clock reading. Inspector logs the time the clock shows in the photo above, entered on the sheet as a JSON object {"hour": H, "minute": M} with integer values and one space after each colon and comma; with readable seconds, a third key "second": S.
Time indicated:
{"hour": 1, "minute": 54}
